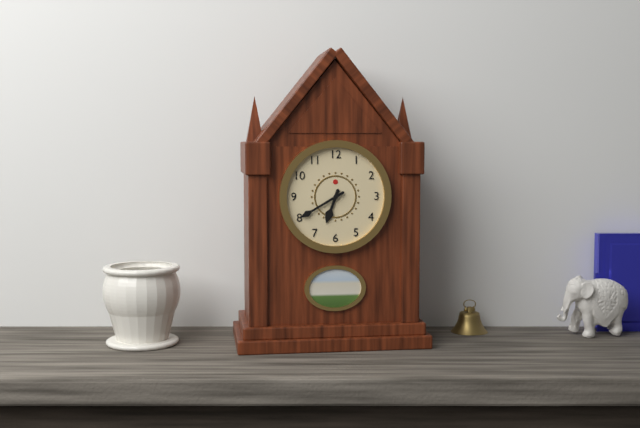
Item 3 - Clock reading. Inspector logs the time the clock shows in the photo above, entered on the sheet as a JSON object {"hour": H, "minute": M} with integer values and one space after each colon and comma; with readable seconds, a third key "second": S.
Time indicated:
{"hour": 6, "minute": 40}
